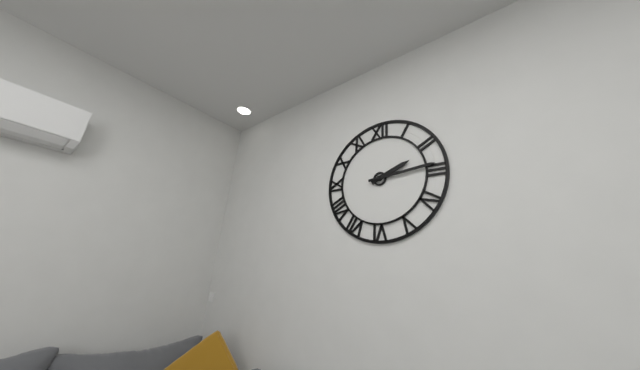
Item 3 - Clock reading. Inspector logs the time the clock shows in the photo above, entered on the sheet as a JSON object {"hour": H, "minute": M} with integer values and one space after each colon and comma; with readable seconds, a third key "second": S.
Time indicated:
{"hour": 2, "minute": 14}
